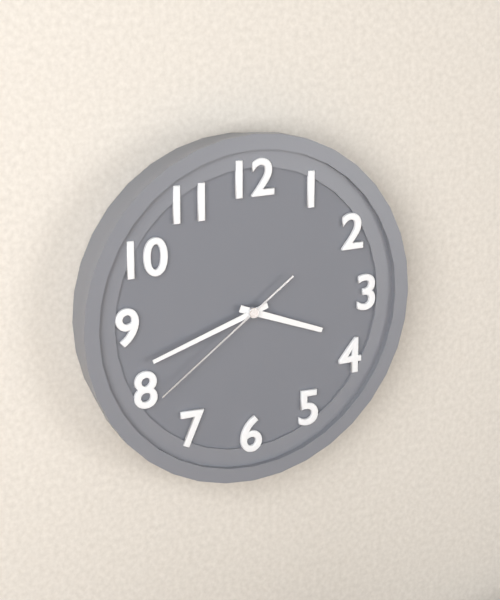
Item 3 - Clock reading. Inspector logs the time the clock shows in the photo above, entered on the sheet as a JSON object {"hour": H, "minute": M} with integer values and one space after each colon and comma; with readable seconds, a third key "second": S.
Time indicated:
{"hour": 3, "minute": 42, "second": 39}
